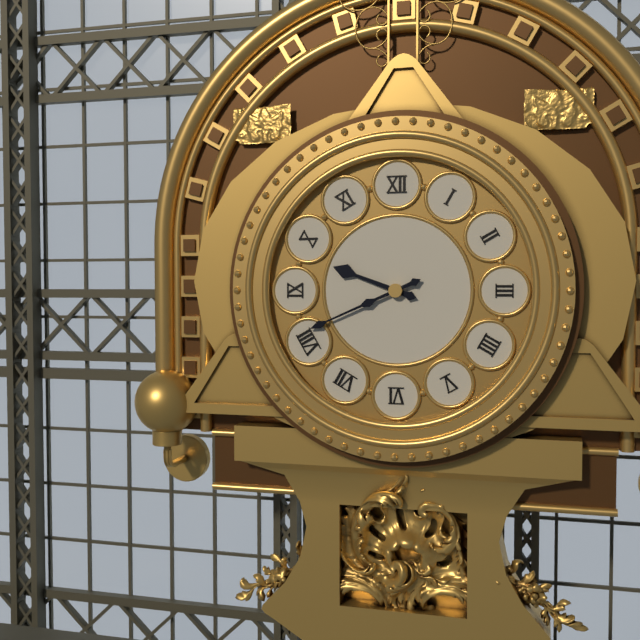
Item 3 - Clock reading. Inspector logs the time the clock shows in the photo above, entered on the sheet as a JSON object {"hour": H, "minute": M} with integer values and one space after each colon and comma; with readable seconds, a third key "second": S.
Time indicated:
{"hour": 9, "minute": 41}
